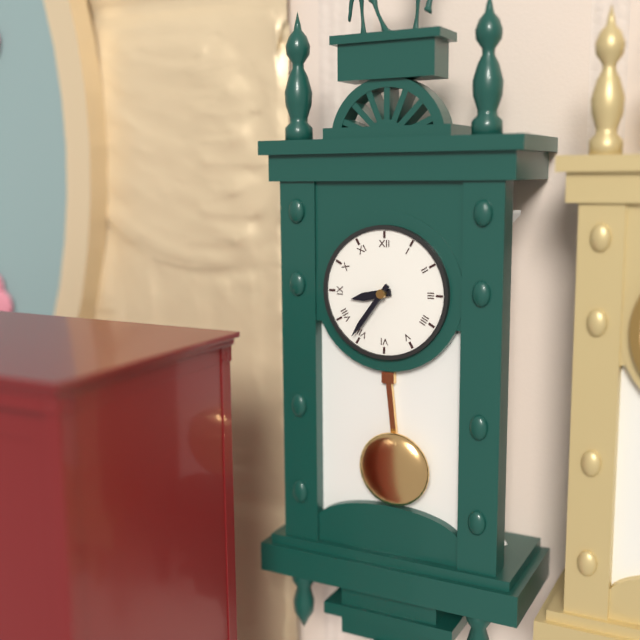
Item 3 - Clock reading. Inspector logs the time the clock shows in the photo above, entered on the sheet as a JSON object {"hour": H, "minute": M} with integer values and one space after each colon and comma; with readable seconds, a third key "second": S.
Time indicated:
{"hour": 8, "minute": 36}
